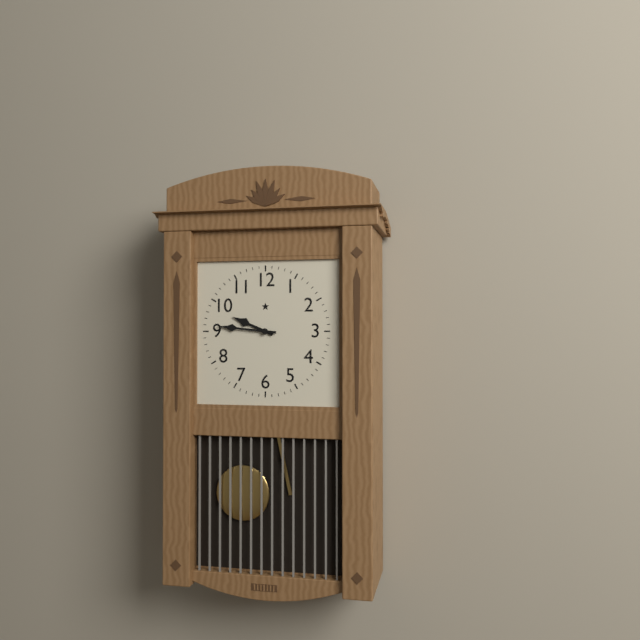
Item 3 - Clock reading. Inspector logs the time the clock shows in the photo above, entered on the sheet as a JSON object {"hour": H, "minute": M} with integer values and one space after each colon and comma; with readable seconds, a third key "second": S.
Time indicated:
{"hour": 9, "minute": 46}
